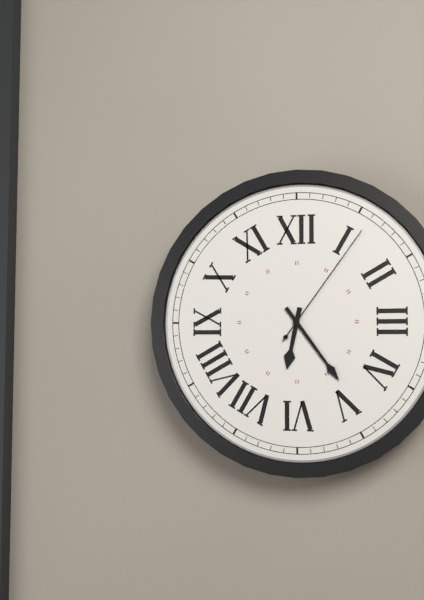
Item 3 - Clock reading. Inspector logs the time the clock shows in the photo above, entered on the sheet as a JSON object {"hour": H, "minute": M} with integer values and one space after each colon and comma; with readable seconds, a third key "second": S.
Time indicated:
{"hour": 6, "minute": 24, "second": 6}
